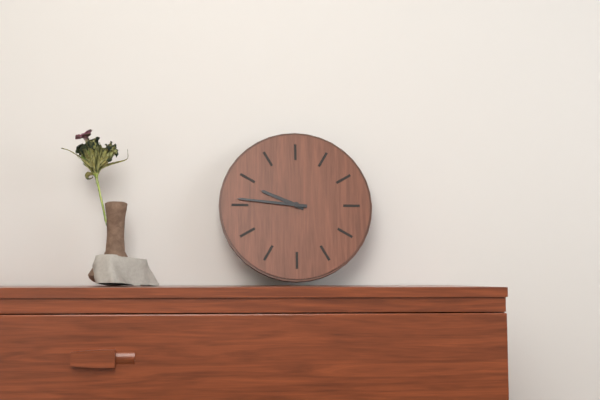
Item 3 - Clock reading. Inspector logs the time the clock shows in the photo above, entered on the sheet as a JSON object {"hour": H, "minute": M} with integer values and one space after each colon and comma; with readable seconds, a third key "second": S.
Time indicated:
{"hour": 9, "minute": 46}
